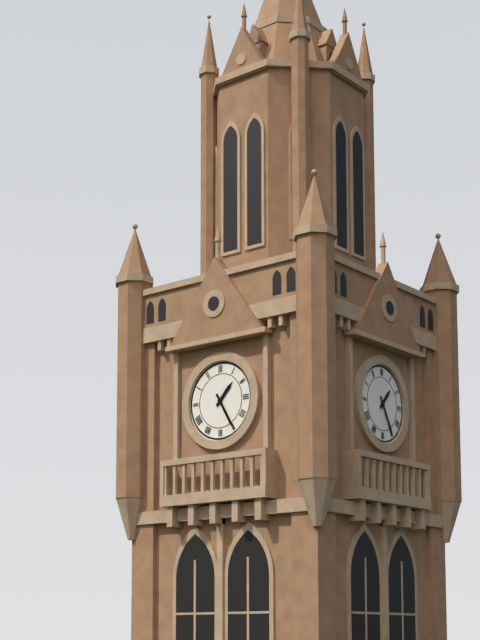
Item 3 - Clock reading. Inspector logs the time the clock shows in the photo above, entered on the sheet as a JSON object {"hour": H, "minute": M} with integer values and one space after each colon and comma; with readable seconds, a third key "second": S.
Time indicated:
{"hour": 1, "minute": 25}
